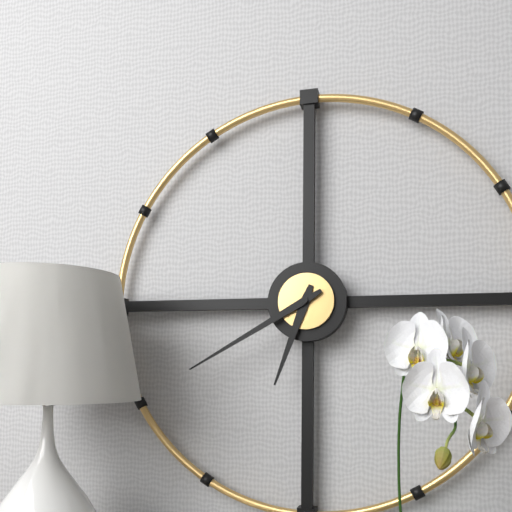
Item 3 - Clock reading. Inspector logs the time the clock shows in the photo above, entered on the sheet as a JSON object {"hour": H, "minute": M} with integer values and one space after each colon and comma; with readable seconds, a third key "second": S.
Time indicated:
{"hour": 6, "minute": 40}
